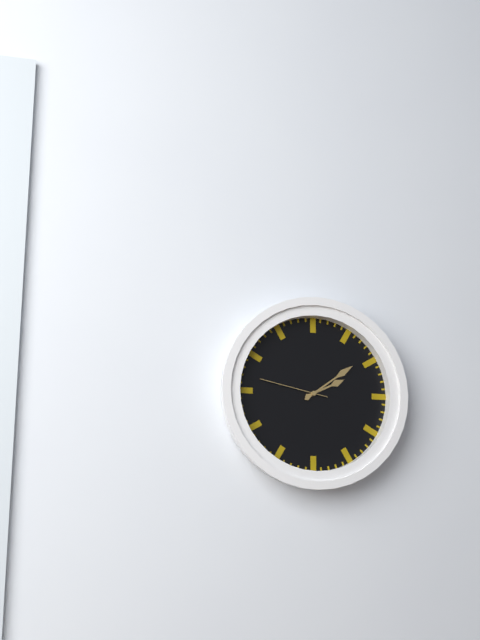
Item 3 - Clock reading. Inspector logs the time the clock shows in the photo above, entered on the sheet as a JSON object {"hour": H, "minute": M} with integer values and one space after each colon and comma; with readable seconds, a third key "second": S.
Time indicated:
{"hour": 2, "minute": 9, "second": 47}
